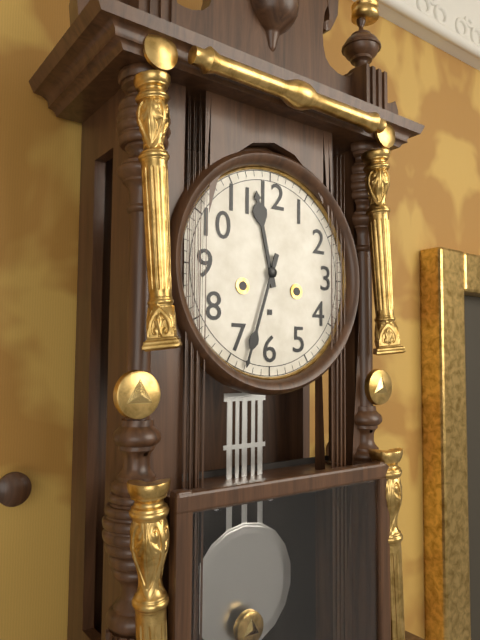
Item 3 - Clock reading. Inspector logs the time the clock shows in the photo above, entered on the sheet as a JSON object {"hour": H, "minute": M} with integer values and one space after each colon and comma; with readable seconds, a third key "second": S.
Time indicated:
{"hour": 11, "minute": 33}
